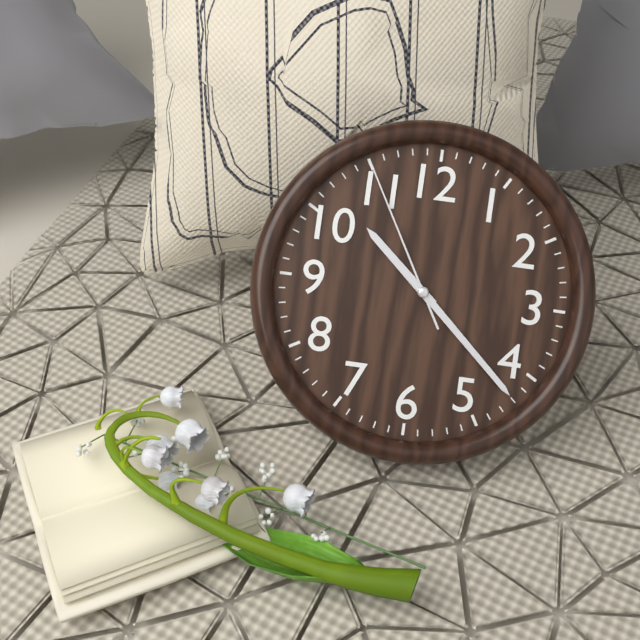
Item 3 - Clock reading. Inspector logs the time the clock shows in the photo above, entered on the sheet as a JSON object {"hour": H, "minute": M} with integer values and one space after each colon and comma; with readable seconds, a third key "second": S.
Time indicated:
{"hour": 10, "minute": 22, "second": 55}
